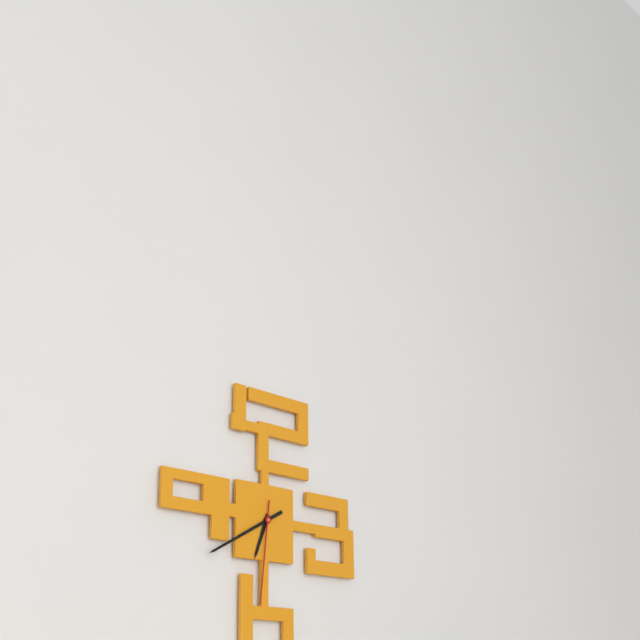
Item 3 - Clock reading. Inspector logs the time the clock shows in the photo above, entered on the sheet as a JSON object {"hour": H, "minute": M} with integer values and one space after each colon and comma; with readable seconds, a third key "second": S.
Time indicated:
{"hour": 6, "minute": 40, "second": 31}
